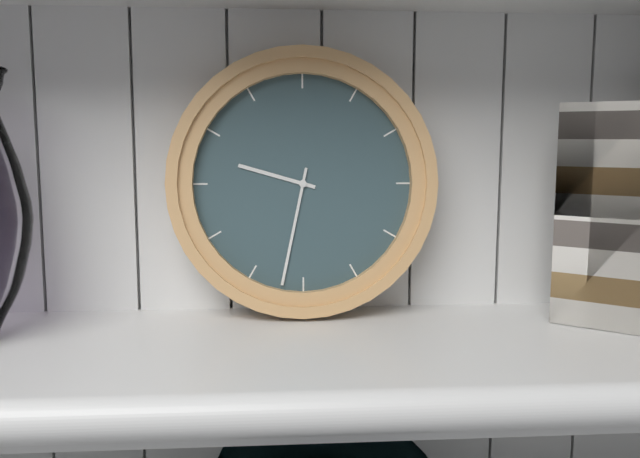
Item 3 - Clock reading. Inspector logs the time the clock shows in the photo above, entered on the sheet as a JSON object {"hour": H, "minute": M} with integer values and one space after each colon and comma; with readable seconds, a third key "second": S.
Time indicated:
{"hour": 9, "minute": 32}
